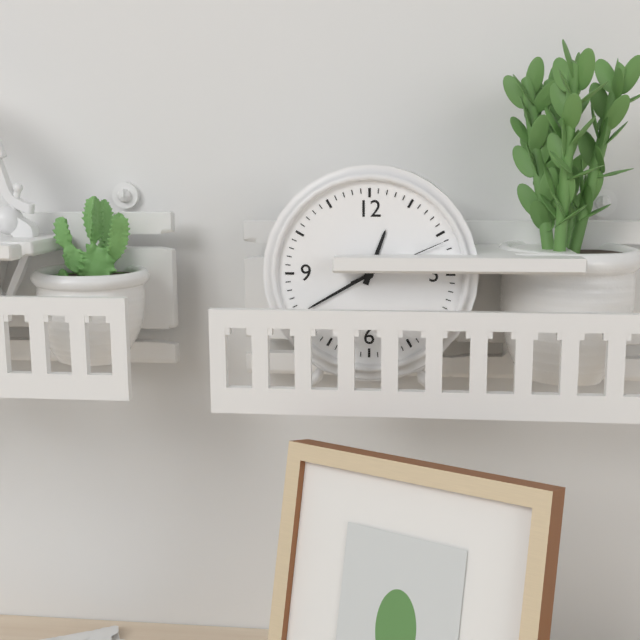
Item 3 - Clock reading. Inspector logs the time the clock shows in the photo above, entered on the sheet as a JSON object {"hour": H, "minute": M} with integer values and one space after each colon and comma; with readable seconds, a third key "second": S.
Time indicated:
{"hour": 12, "minute": 40, "second": 11}
